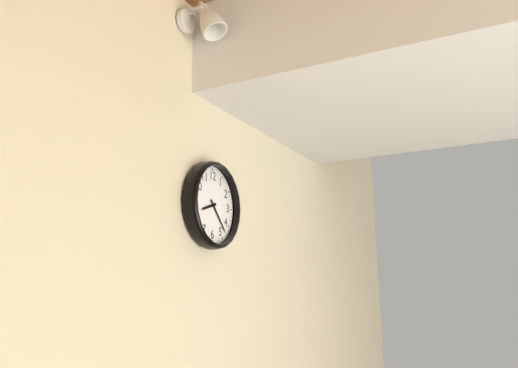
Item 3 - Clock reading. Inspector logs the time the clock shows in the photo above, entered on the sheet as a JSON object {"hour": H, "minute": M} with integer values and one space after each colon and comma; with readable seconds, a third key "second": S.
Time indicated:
{"hour": 8, "minute": 23}
